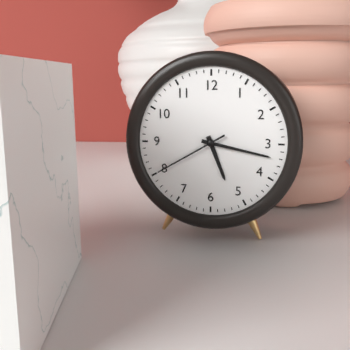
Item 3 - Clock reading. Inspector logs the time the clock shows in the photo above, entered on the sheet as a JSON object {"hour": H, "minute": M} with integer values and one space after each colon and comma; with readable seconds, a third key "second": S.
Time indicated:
{"hour": 5, "minute": 17, "second": 40}
